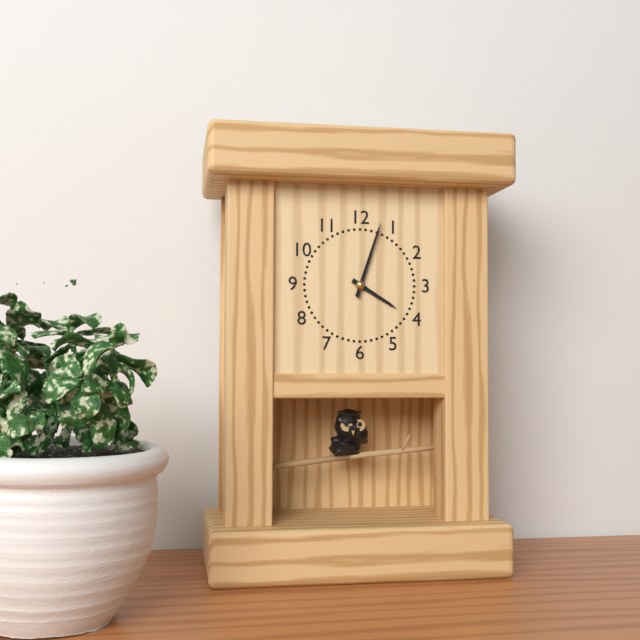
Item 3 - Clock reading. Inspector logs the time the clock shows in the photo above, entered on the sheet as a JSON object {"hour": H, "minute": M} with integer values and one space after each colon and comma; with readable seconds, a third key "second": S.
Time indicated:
{"hour": 4, "minute": 3}
